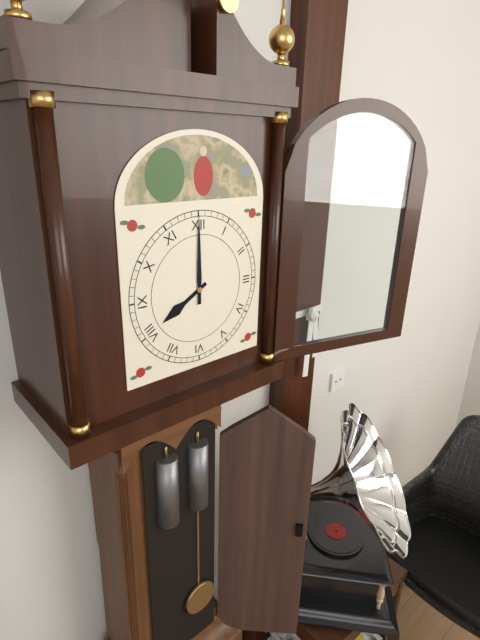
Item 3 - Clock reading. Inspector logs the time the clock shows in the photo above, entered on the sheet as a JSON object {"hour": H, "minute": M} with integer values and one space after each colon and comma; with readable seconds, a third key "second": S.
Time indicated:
{"hour": 8, "minute": 0}
